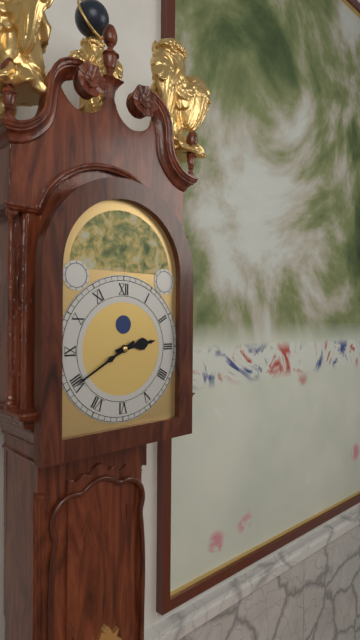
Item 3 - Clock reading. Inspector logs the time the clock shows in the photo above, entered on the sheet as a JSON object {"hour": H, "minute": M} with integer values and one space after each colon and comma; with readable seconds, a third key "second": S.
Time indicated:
{"hour": 2, "minute": 40}
